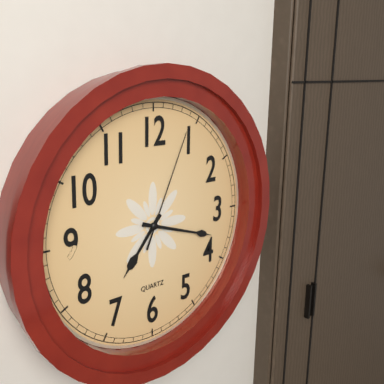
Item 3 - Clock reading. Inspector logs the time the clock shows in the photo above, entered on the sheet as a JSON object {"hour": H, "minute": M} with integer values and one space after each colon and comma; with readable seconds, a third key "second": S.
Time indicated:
{"hour": 7, "minute": 18, "second": 4}
